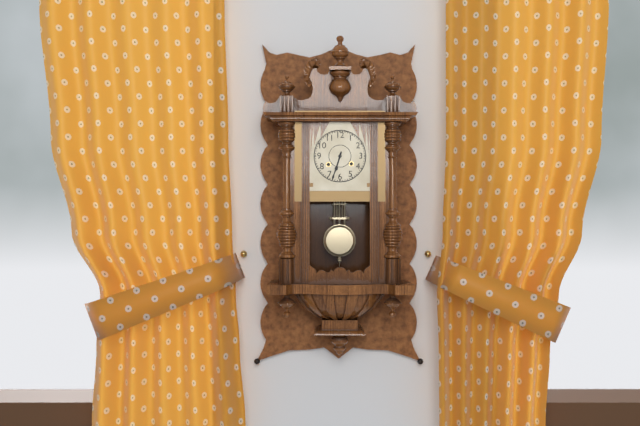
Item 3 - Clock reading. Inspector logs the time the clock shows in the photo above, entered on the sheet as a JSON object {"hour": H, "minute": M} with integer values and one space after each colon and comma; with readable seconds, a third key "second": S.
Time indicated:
{"hour": 6, "minute": 33}
